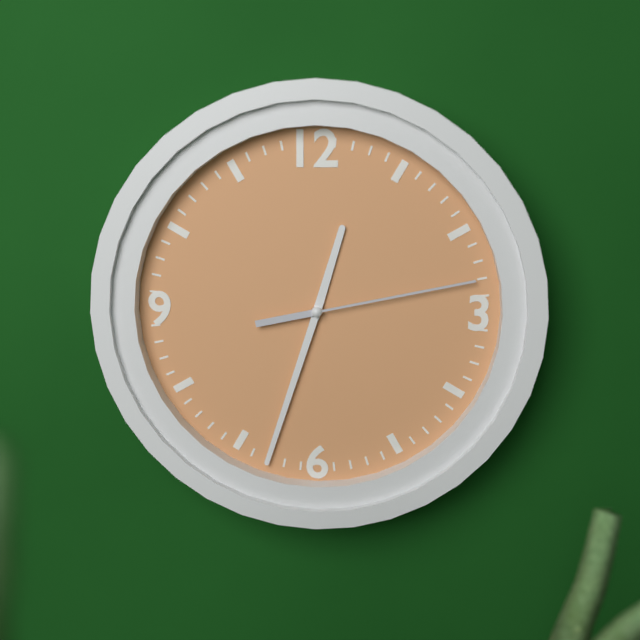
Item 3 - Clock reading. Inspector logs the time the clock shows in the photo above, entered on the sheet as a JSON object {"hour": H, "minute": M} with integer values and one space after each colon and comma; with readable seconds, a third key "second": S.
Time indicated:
{"hour": 12, "minute": 33, "second": 13}
